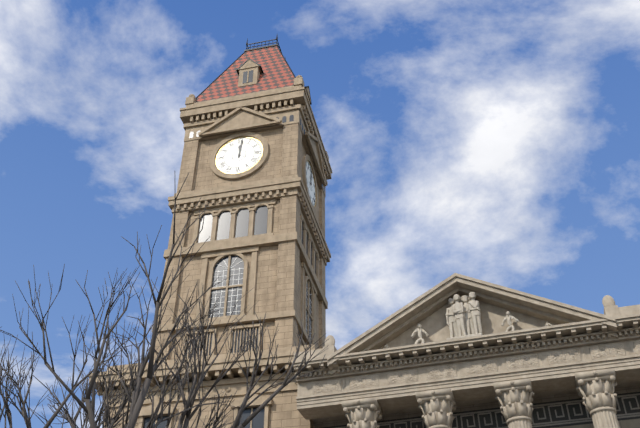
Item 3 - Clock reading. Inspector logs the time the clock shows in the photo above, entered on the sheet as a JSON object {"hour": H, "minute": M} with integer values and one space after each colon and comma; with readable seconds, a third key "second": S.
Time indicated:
{"hour": 12, "minute": 1}
